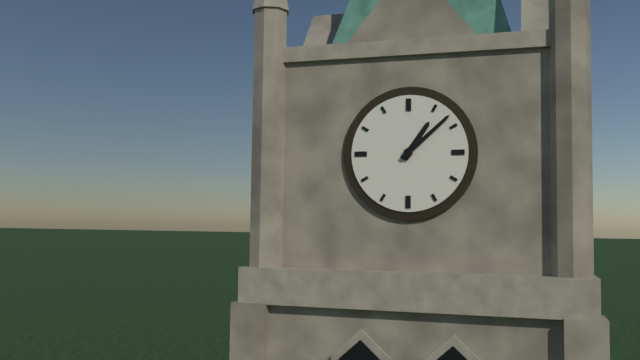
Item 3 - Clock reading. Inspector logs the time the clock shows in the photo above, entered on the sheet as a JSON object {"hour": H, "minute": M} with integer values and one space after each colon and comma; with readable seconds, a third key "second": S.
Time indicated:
{"hour": 1, "minute": 8}
